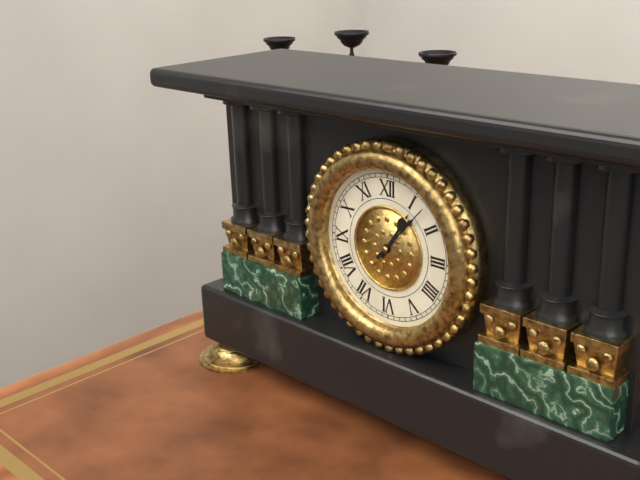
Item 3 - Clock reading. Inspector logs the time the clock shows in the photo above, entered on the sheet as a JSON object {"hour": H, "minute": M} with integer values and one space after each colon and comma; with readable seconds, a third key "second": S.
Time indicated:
{"hour": 1, "minute": 7}
